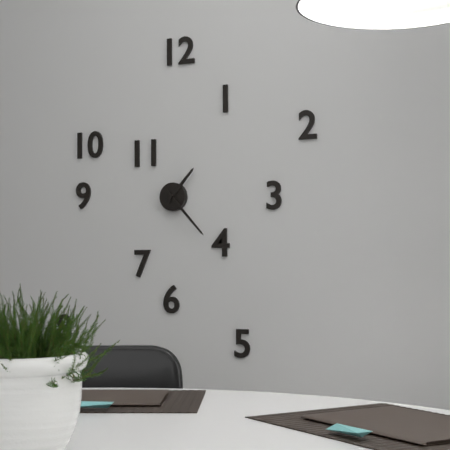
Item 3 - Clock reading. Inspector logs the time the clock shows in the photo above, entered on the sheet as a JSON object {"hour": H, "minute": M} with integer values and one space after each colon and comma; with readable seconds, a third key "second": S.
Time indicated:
{"hour": 1, "minute": 23}
